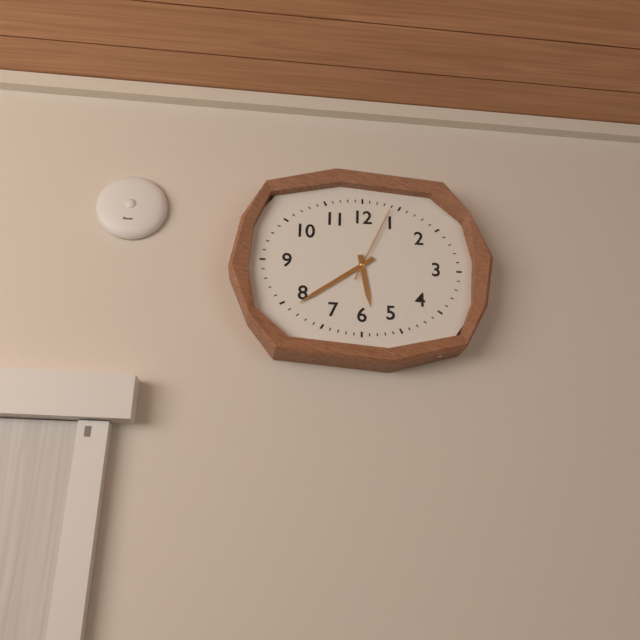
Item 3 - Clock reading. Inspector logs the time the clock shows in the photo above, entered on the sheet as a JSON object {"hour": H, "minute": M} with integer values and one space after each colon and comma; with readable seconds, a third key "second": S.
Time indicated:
{"hour": 5, "minute": 39, "second": 4}
